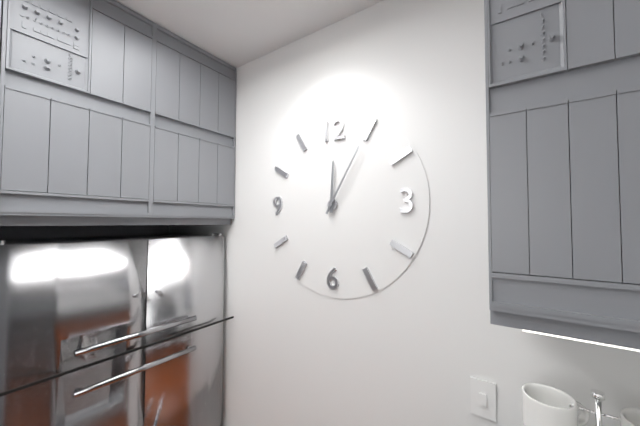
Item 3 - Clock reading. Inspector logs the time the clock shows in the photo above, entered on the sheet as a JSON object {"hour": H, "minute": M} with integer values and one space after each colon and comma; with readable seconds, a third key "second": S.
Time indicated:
{"hour": 12, "minute": 5}
